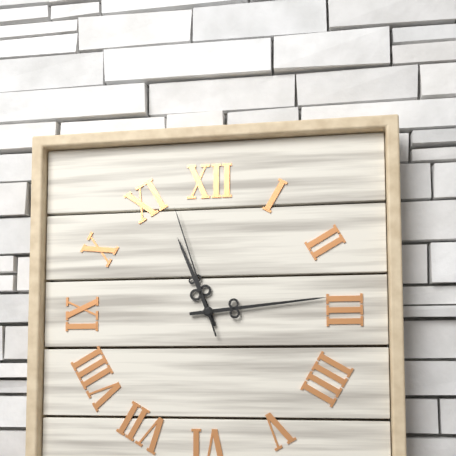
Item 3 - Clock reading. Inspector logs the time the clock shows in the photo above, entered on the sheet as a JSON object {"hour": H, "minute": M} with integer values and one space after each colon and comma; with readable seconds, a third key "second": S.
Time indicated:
{"hour": 11, "minute": 14, "second": 57}
